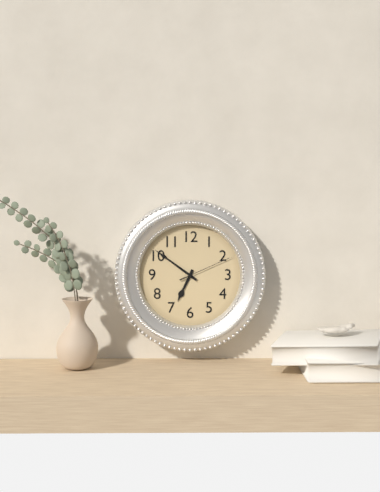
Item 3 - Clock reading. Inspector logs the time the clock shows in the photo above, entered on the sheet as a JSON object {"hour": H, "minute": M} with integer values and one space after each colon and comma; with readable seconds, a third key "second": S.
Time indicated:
{"hour": 6, "minute": 51, "second": 11}
